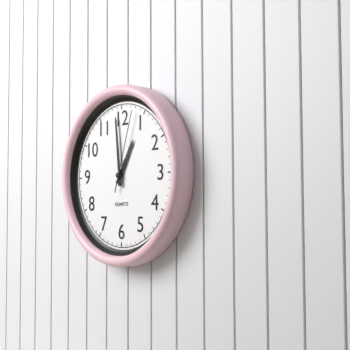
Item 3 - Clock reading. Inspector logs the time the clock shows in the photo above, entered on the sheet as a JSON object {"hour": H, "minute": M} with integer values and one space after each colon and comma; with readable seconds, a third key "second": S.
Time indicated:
{"hour": 12, "minute": 59, "second": 3}
